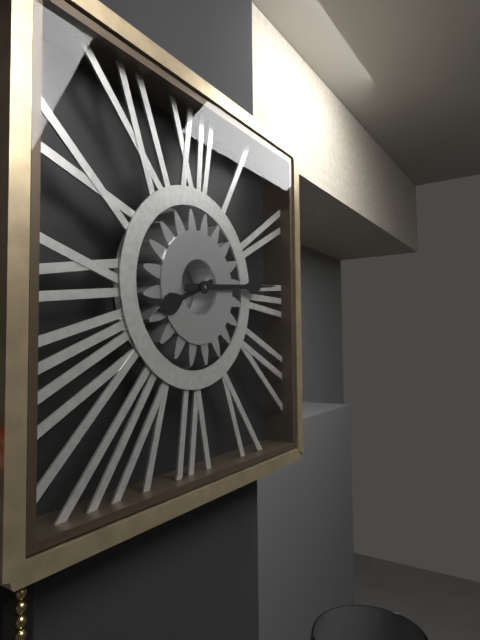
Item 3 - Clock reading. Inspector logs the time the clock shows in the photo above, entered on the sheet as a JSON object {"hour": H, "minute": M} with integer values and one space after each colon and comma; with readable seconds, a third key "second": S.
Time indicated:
{"hour": 8, "minute": 14}
